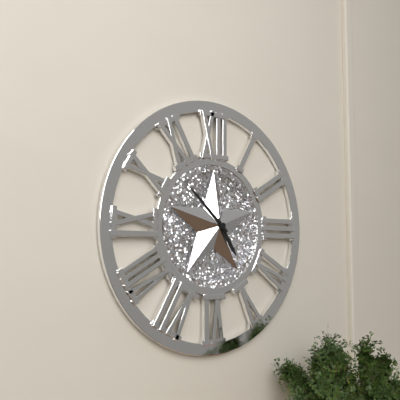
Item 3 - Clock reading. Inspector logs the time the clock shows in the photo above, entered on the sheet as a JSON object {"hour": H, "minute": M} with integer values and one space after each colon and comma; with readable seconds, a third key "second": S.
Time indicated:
{"hour": 4, "minute": 52}
